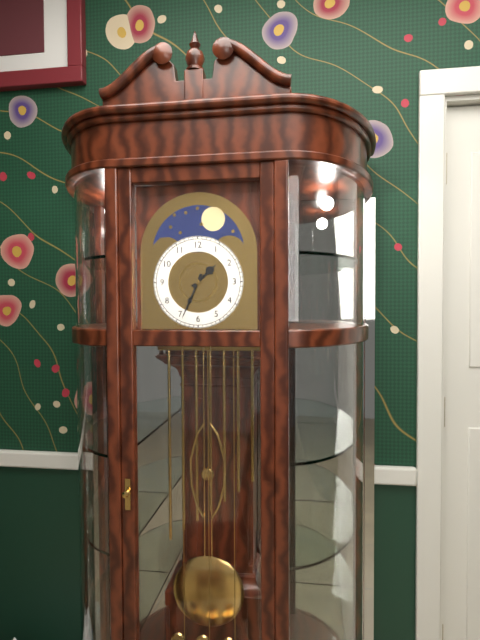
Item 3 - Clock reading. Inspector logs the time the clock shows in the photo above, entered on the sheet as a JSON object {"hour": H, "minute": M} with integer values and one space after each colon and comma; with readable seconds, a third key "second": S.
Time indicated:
{"hour": 1, "minute": 34}
